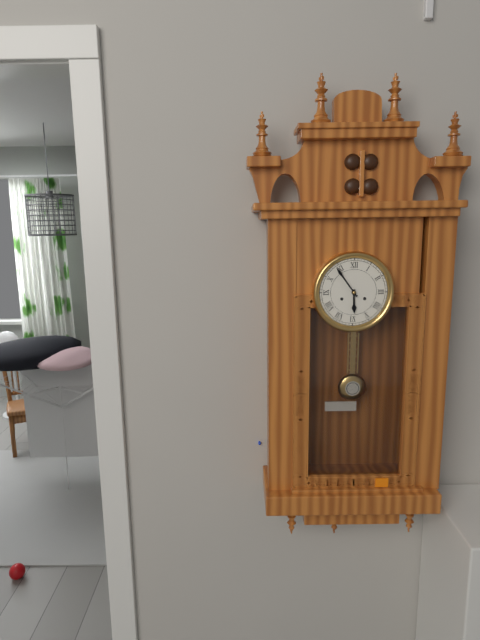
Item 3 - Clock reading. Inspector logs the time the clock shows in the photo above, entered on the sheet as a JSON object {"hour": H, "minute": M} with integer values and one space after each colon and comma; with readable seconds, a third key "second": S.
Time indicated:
{"hour": 5, "minute": 54}
